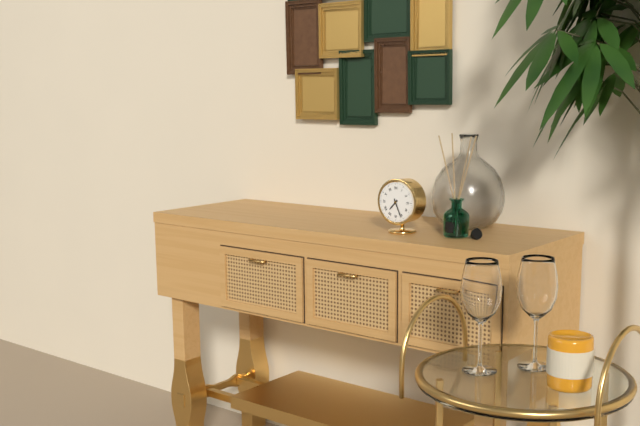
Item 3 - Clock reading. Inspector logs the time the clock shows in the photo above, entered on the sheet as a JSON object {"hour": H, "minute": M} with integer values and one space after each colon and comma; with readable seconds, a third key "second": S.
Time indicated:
{"hour": 7, "minute": 26}
